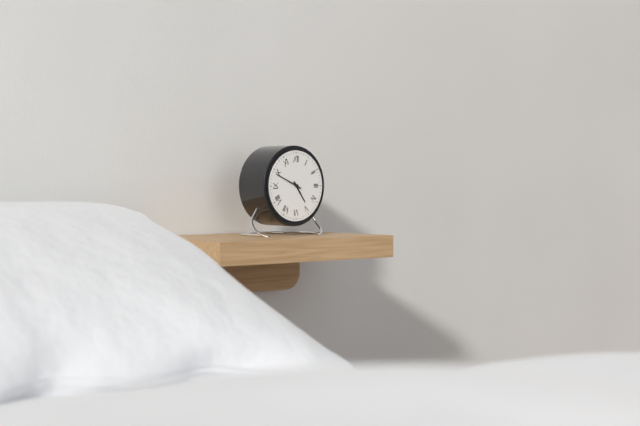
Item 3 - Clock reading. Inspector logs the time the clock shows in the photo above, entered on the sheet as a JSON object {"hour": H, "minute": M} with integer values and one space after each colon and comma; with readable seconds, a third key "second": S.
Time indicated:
{"hour": 4, "minute": 49}
